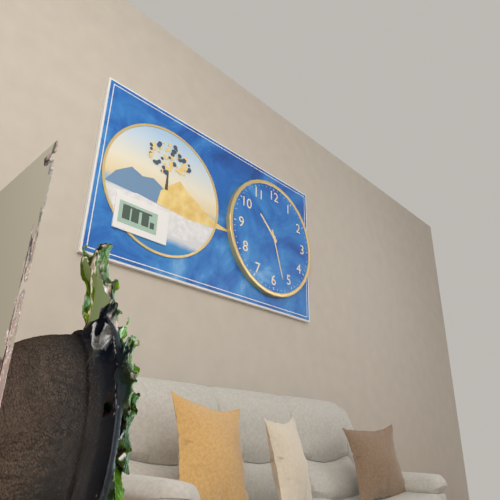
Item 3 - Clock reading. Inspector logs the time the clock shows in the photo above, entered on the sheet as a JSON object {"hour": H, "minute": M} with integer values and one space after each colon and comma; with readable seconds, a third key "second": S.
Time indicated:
{"hour": 10, "minute": 27}
